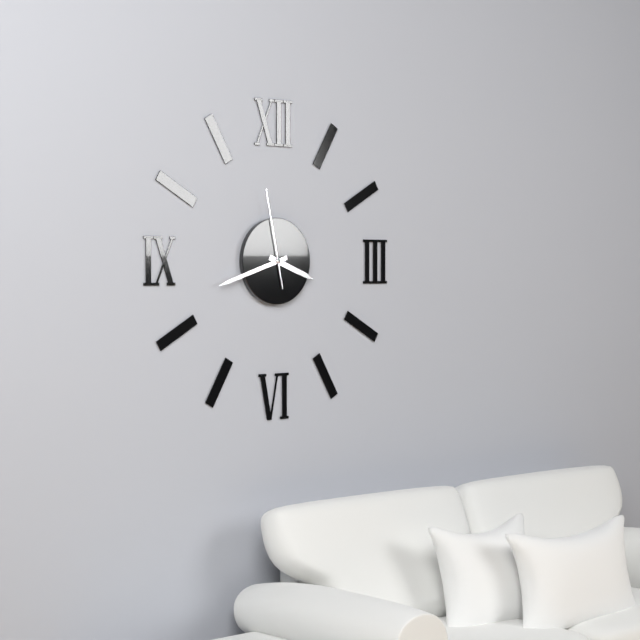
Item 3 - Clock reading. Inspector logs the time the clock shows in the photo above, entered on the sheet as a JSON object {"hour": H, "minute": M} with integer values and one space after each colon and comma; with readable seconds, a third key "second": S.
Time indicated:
{"hour": 3, "minute": 42, "second": 58}
